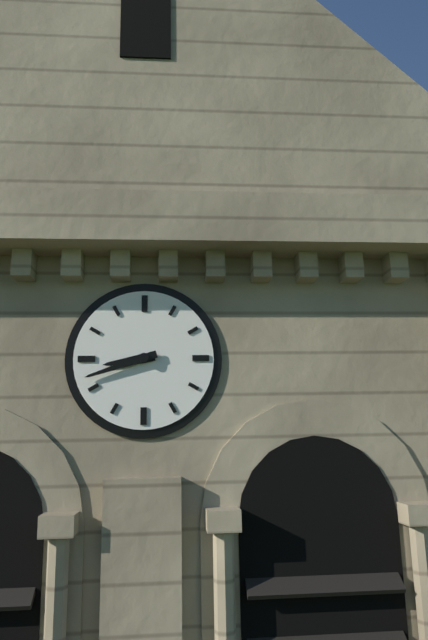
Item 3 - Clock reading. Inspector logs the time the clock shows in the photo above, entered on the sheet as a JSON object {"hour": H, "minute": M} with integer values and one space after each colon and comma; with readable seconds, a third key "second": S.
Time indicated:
{"hour": 8, "minute": 42}
